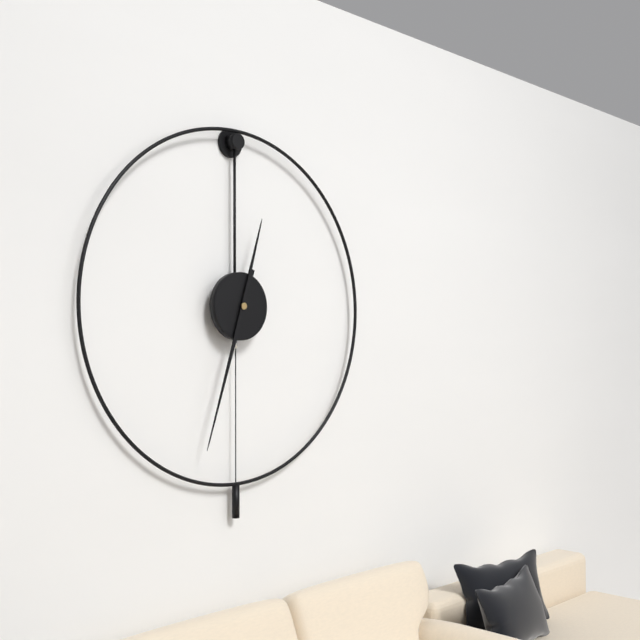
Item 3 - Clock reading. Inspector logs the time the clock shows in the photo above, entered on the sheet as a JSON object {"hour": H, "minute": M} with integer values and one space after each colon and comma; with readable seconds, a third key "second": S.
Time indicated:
{"hour": 12, "minute": 33}
